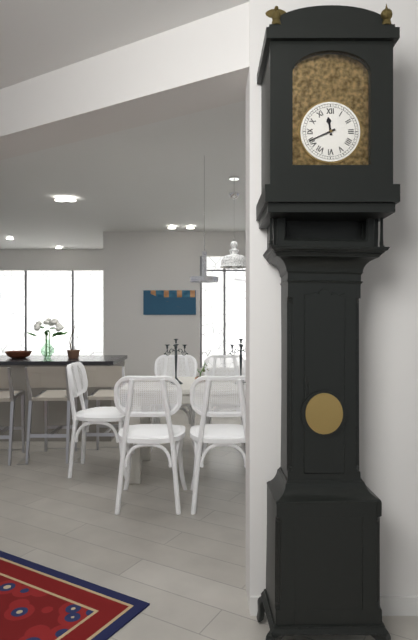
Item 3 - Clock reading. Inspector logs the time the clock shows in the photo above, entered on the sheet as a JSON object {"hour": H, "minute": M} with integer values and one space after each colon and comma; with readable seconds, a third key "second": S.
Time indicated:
{"hour": 11, "minute": 41}
